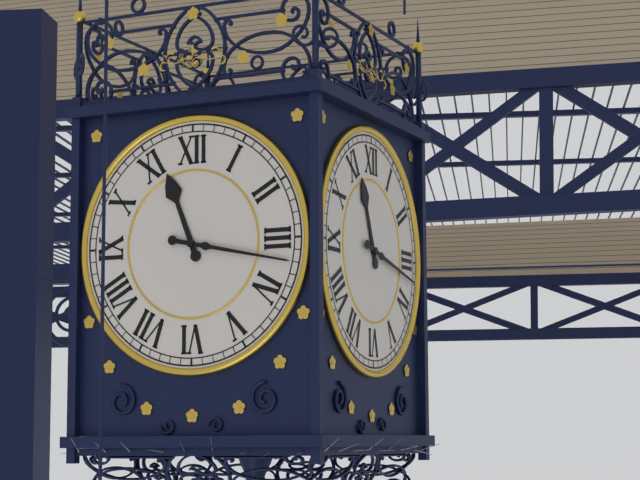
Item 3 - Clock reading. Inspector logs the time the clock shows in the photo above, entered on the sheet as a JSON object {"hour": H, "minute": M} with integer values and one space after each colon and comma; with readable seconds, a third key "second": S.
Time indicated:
{"hour": 11, "minute": 17}
